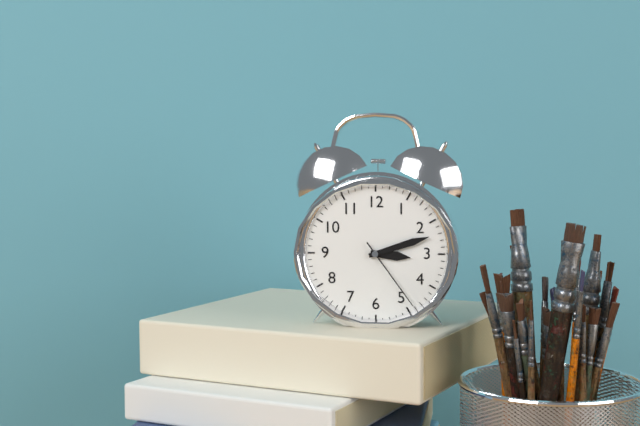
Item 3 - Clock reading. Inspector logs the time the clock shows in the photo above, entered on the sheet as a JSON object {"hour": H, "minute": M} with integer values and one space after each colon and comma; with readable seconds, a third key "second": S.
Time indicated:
{"hour": 3, "minute": 12, "second": 24}
